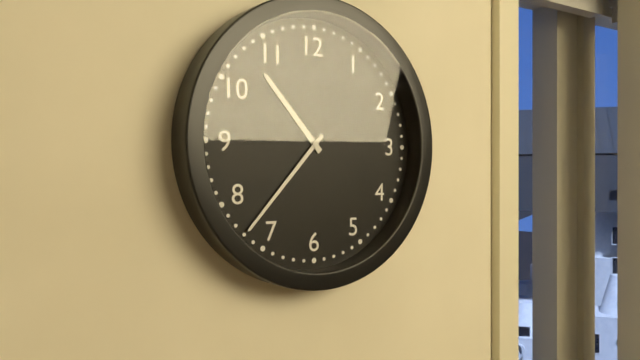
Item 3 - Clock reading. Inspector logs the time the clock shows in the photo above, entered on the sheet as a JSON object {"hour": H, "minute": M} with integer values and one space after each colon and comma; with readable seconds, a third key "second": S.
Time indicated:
{"hour": 10, "minute": 37}
